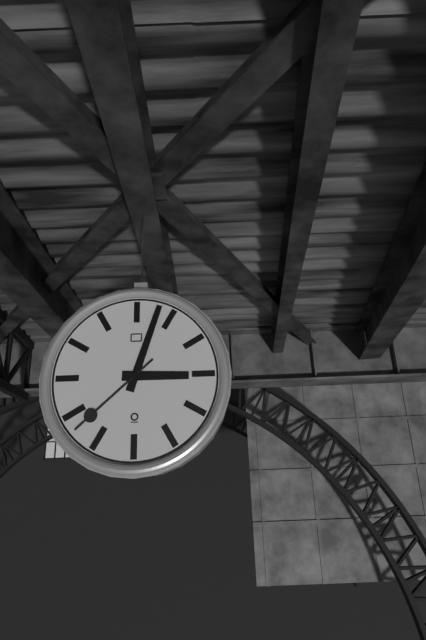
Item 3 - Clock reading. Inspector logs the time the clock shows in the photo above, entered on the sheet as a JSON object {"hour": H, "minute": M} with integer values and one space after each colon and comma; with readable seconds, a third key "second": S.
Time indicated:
{"hour": 3, "minute": 3, "second": 38}
